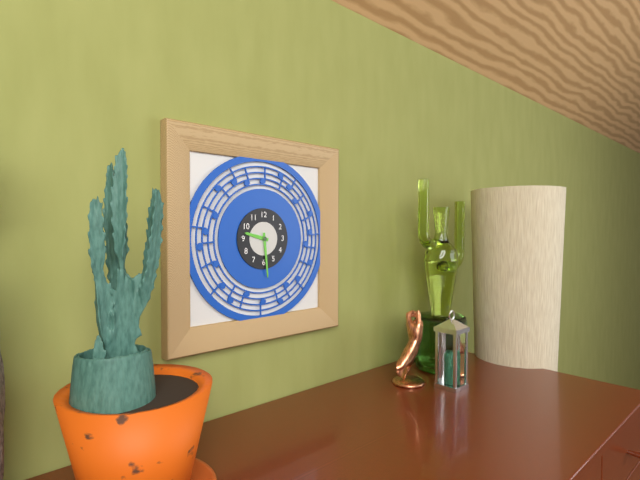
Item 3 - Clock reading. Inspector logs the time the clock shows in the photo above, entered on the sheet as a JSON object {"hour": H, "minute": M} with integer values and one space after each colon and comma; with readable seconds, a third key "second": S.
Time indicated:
{"hour": 9, "minute": 29}
